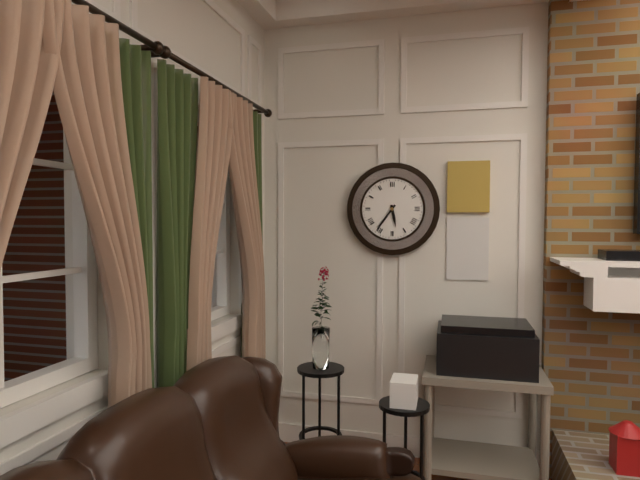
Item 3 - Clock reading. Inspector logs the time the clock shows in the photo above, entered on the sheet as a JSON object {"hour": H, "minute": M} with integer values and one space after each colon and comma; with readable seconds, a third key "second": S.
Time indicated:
{"hour": 5, "minute": 36}
